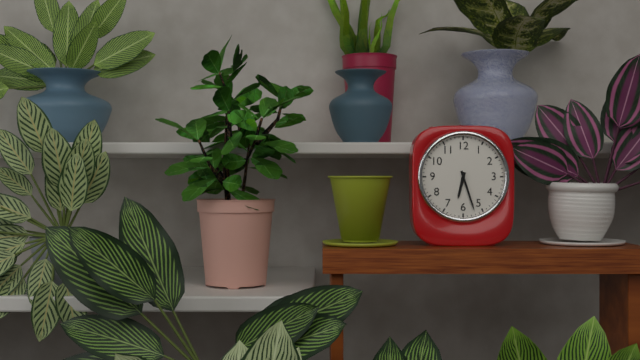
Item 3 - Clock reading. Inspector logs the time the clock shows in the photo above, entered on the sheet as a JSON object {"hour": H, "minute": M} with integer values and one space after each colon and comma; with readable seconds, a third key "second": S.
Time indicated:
{"hour": 6, "minute": 27}
